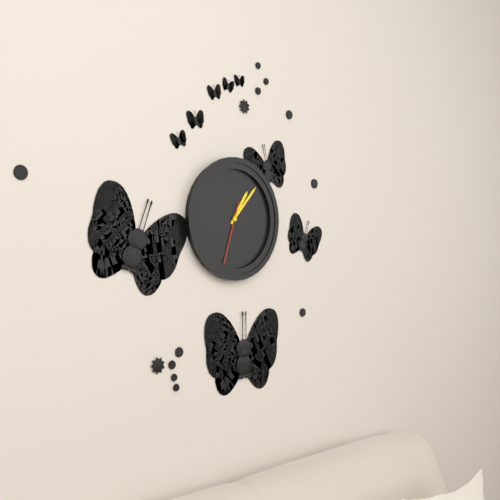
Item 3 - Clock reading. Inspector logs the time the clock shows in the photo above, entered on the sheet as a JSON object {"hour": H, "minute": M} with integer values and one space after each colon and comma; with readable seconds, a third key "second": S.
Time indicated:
{"hour": 1, "minute": 7, "second": 33}
